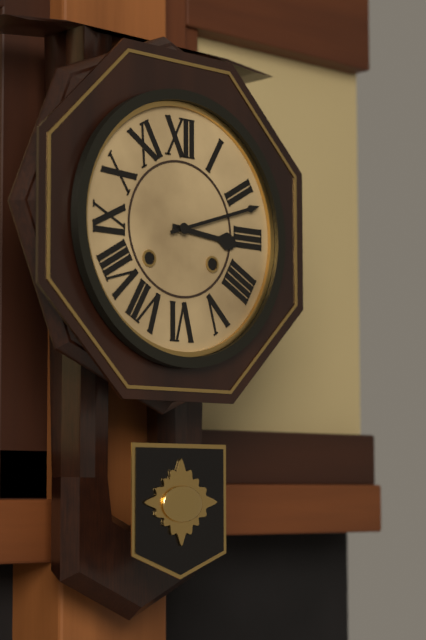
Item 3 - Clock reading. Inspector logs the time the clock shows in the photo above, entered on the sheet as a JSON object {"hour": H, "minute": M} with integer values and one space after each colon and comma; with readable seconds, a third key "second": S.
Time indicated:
{"hour": 3, "minute": 12}
